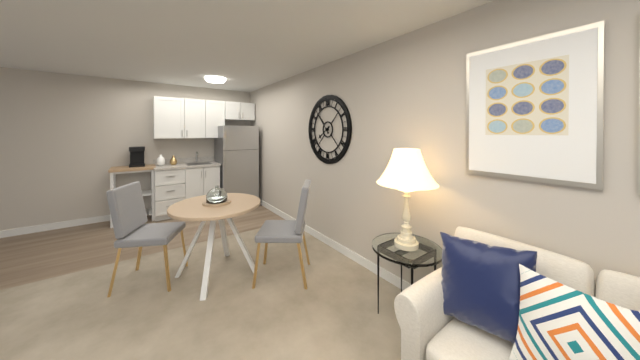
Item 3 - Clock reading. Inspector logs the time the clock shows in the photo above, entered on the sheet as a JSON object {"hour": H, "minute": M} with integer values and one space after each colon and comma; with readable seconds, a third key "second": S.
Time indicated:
{"hour": 7, "minute": 53}
